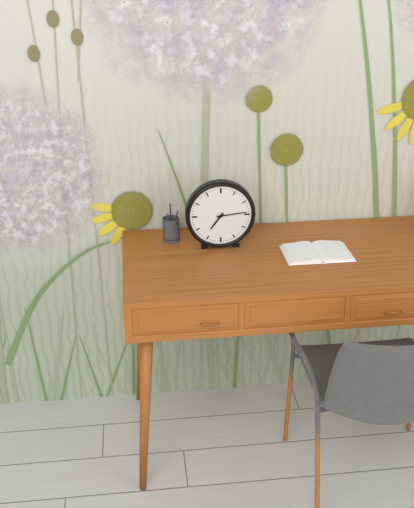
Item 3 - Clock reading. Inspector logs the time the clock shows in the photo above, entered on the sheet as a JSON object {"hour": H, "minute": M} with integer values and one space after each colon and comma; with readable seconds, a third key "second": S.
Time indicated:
{"hour": 7, "minute": 14}
